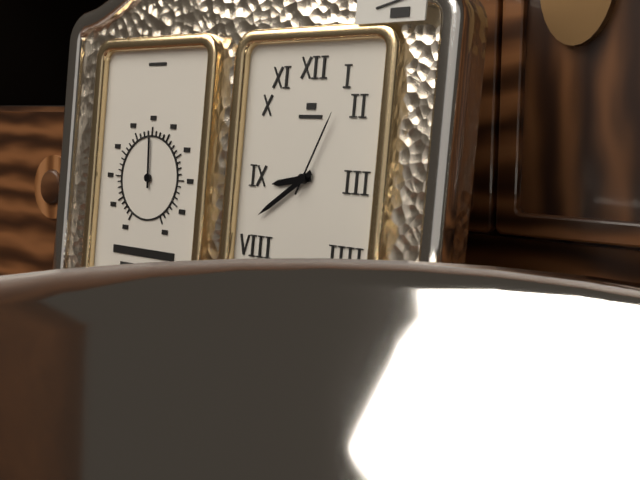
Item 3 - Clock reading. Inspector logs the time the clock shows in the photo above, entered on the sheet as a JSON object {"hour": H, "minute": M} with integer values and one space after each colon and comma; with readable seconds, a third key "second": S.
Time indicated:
{"hour": 8, "minute": 39, "second": 4}
